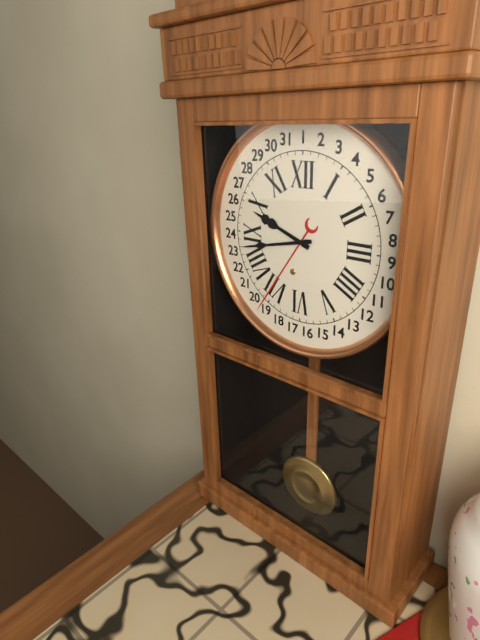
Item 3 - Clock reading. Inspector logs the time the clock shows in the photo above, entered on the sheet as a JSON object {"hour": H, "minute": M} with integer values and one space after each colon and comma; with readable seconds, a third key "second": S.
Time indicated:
{"hour": 9, "minute": 43}
